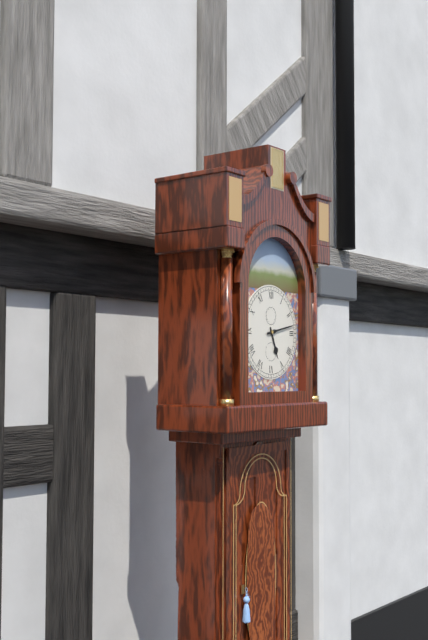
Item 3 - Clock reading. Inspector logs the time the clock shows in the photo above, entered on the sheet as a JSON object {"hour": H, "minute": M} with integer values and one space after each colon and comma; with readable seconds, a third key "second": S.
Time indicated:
{"hour": 5, "minute": 13}
